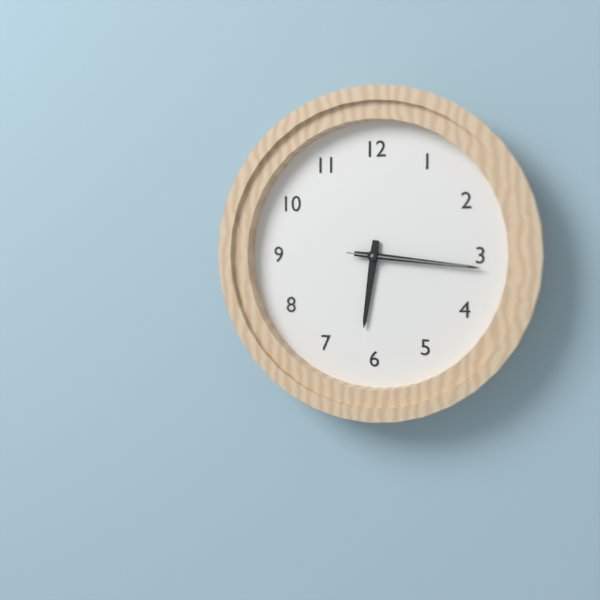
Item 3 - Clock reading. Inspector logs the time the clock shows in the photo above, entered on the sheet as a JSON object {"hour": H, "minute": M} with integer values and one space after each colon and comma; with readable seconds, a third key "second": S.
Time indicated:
{"hour": 6, "minute": 16, "second": 16}
